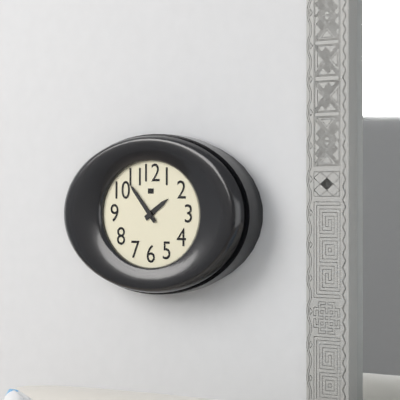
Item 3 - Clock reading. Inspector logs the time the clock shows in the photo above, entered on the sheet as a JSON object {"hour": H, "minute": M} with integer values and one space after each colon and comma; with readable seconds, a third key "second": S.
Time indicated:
{"hour": 1, "minute": 53}
